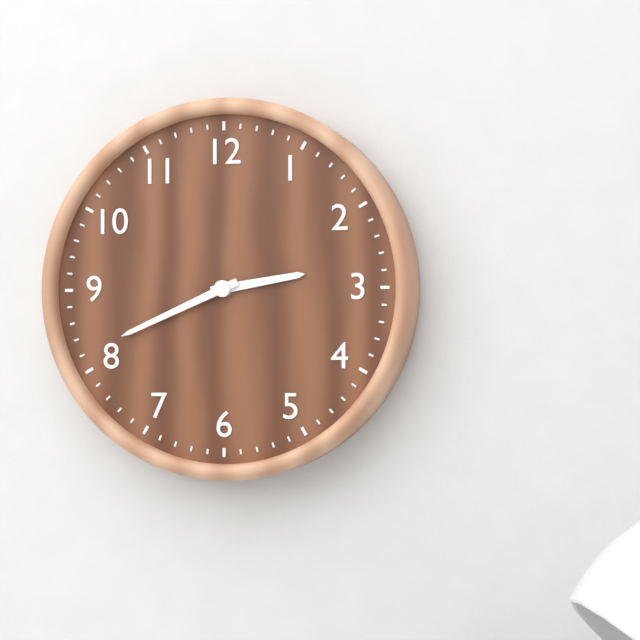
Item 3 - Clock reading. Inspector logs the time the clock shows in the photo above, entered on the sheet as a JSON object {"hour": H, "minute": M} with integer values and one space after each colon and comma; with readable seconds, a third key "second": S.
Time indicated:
{"hour": 2, "minute": 41}
